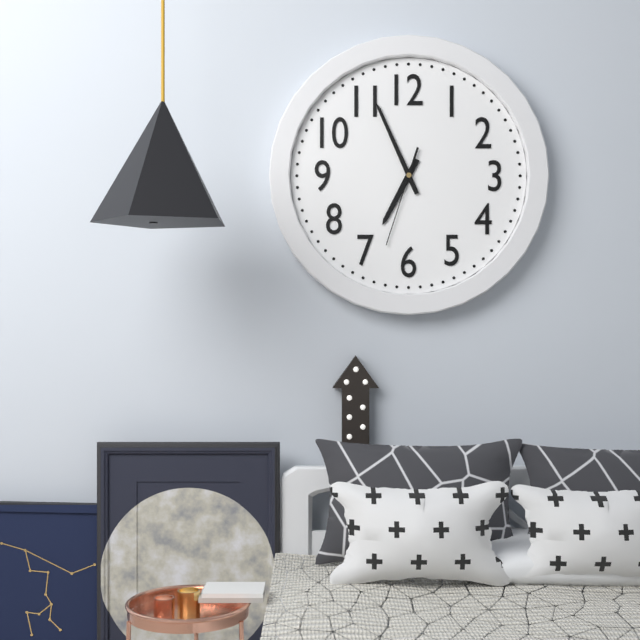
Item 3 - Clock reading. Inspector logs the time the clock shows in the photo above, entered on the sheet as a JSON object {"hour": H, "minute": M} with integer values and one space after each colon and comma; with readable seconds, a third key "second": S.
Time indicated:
{"hour": 6, "minute": 56, "second": 33}
